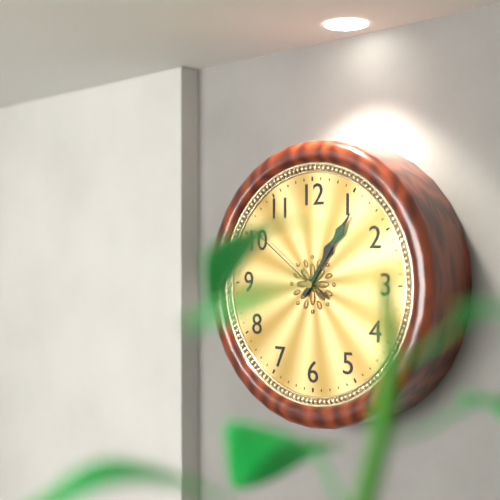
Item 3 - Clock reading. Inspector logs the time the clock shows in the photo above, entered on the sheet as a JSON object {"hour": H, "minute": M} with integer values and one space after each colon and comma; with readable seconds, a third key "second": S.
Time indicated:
{"hour": 1, "minute": 6, "second": 51}
